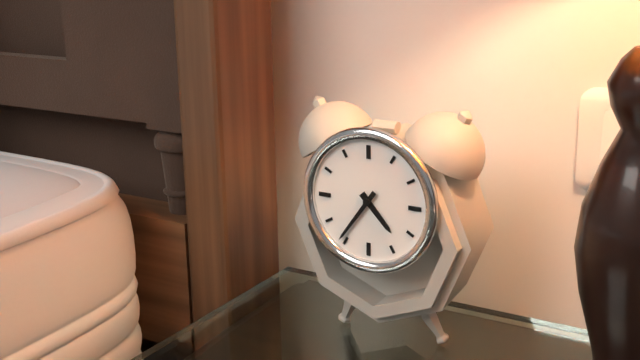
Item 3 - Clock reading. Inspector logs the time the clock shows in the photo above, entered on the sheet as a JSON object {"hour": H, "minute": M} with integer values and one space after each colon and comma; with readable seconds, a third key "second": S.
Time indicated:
{"hour": 4, "minute": 36}
